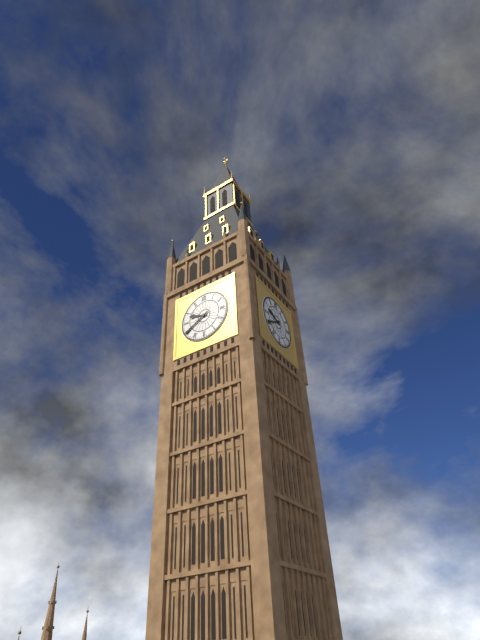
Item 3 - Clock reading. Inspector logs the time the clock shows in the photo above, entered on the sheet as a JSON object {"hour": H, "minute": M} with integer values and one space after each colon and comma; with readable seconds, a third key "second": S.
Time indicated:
{"hour": 9, "minute": 40}
